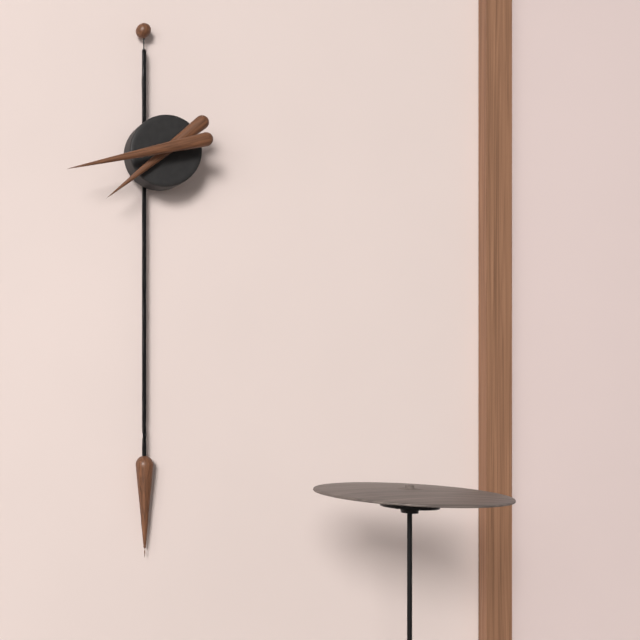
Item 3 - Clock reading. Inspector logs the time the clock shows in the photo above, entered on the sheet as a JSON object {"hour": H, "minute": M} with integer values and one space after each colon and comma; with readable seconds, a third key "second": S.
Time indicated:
{"hour": 7, "minute": 43}
